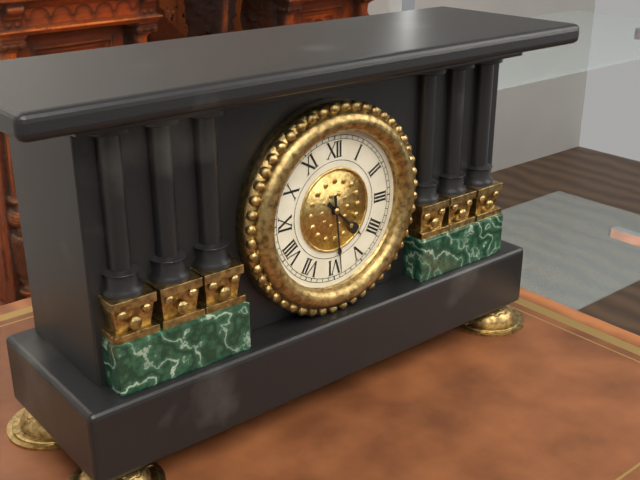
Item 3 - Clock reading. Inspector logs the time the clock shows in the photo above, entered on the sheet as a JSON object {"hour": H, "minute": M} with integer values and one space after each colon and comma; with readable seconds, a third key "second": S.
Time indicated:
{"hour": 4, "minute": 29}
